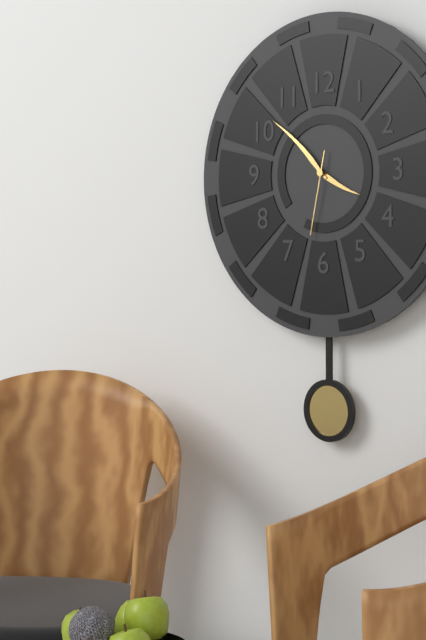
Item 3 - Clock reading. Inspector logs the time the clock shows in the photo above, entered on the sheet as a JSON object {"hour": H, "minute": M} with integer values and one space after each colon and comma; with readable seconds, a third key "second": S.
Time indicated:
{"hour": 3, "minute": 52, "second": 32}
